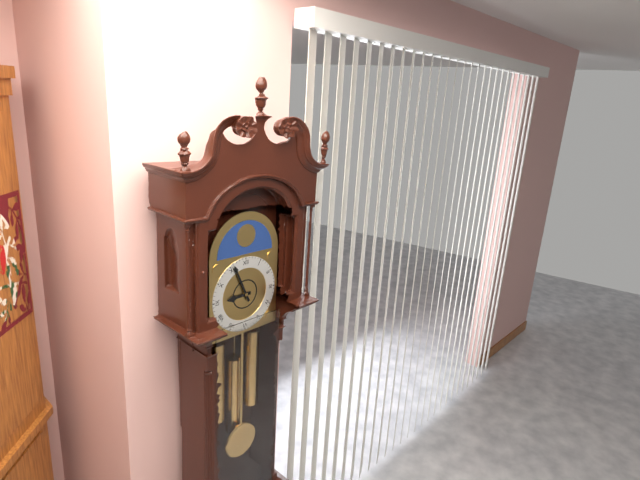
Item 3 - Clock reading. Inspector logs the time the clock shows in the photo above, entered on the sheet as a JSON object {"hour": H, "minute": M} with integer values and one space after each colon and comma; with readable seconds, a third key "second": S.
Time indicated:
{"hour": 8, "minute": 56}
